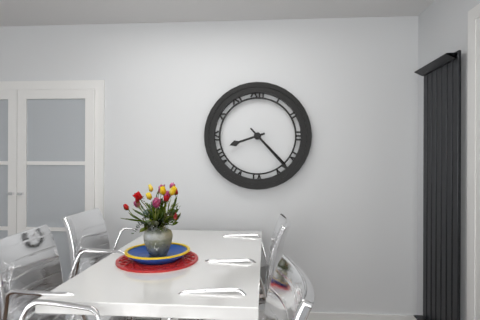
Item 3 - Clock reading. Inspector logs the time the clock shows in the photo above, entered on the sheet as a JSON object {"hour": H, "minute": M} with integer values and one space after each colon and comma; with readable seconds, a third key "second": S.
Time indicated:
{"hour": 8, "minute": 23}
